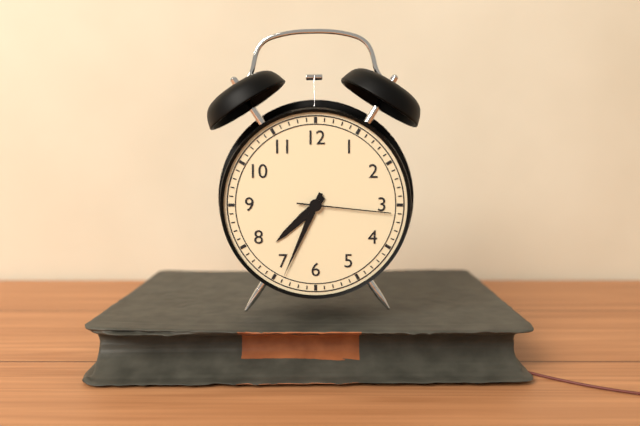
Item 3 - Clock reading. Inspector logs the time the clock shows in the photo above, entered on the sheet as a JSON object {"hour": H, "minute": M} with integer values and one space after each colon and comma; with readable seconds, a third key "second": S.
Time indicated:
{"hour": 7, "minute": 34, "second": 16}
